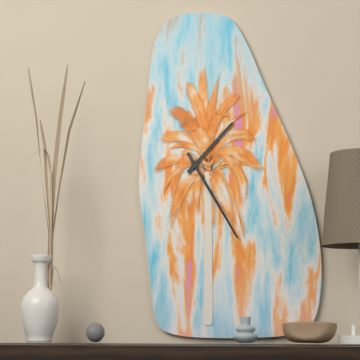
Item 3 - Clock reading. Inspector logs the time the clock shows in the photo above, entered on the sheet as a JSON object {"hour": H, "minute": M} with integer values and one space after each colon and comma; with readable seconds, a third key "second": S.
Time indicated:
{"hour": 1, "minute": 25}
